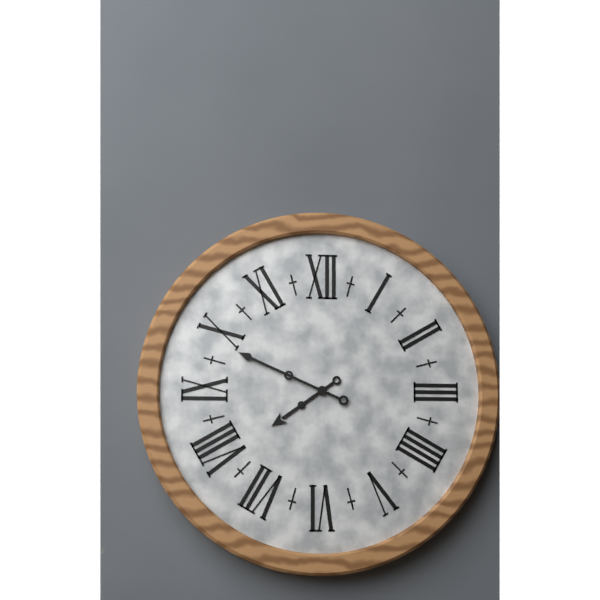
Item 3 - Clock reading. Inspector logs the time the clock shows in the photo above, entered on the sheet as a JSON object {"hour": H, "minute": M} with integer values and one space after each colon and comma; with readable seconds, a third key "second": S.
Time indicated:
{"hour": 7, "minute": 49}
